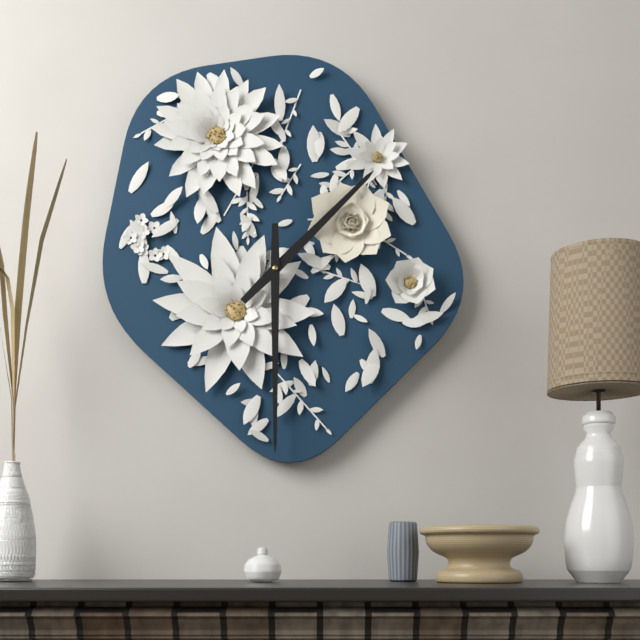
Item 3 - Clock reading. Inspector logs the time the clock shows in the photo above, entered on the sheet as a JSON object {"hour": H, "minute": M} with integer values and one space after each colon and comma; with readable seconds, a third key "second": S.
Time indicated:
{"hour": 1, "minute": 30}
